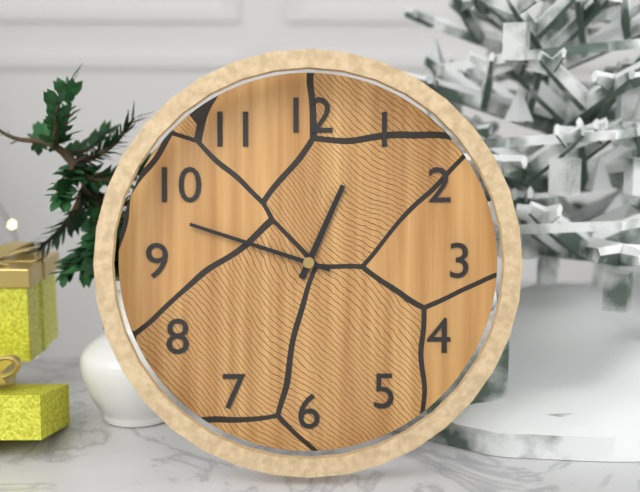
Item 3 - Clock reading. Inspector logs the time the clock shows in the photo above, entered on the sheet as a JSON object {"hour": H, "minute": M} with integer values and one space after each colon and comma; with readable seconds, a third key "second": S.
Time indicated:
{"hour": 12, "minute": 48}
